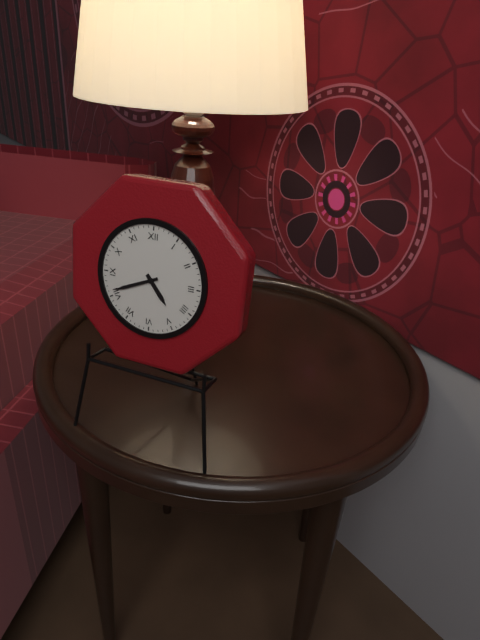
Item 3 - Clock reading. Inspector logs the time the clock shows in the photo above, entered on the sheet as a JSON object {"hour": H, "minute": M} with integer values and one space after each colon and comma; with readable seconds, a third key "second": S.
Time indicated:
{"hour": 4, "minute": 41}
